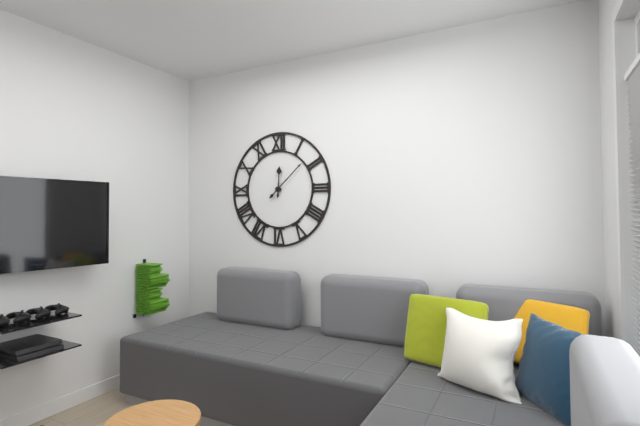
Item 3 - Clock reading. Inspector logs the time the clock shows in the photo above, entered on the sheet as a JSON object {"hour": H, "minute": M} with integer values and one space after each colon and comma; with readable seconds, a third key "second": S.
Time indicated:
{"hour": 12, "minute": 8}
